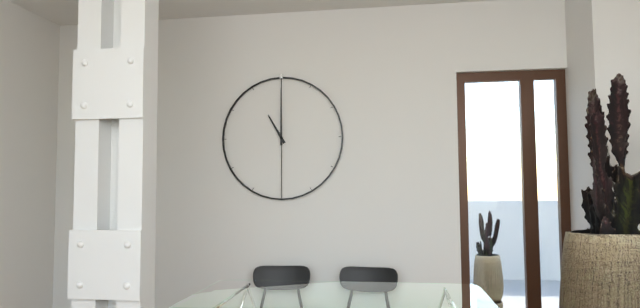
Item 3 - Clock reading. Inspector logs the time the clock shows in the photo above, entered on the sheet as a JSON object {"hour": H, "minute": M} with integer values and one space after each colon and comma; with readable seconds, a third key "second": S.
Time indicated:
{"hour": 11, "minute": 0}
